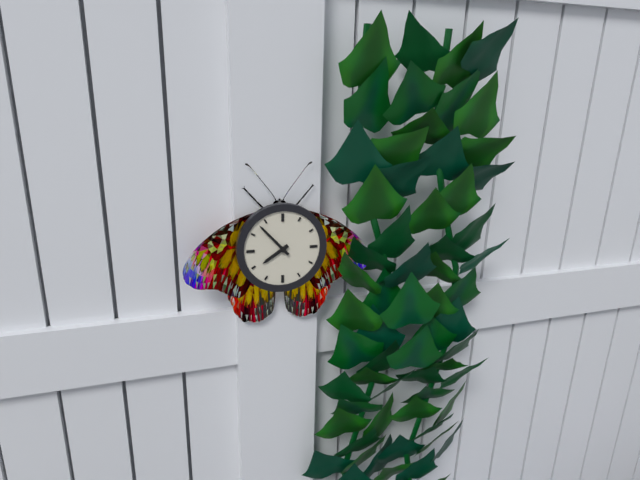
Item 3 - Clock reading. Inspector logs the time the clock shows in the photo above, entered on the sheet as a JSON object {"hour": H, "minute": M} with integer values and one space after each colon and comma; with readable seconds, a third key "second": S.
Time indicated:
{"hour": 7, "minute": 53}
